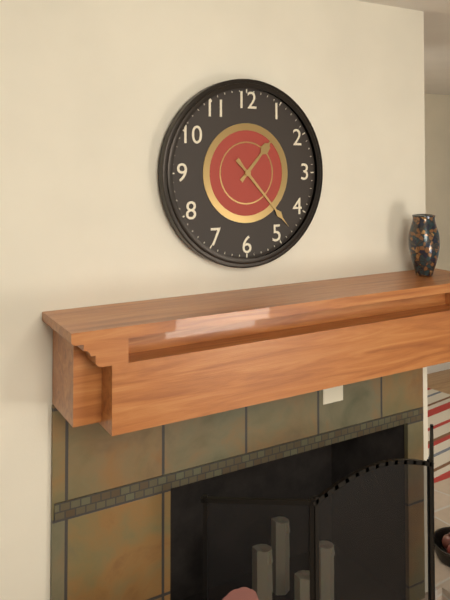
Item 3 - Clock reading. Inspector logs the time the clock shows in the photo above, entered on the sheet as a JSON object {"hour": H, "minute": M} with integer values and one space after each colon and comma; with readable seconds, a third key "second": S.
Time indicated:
{"hour": 1, "minute": 23}
